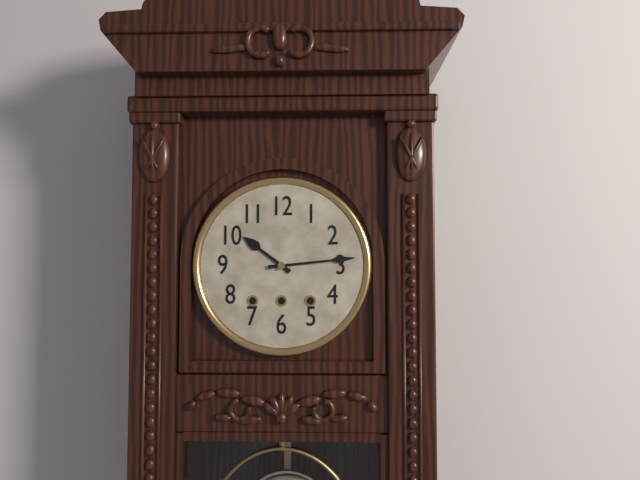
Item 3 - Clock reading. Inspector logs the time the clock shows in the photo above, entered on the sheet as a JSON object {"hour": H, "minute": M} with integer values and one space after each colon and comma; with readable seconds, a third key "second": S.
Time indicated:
{"hour": 10, "minute": 14}
